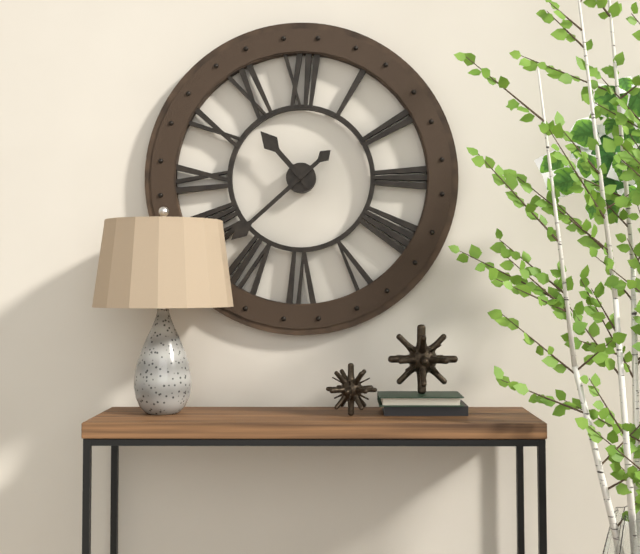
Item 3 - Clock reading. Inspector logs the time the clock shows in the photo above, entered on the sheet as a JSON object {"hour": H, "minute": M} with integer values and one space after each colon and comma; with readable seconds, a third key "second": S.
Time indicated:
{"hour": 10, "minute": 38}
